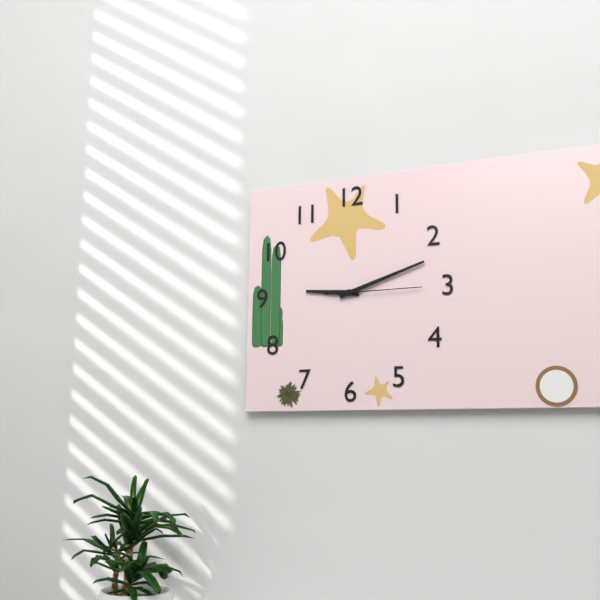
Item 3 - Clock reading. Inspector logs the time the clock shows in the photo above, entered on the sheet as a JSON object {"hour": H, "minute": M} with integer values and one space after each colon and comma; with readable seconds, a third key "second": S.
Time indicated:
{"hour": 9, "minute": 12, "second": 15}
